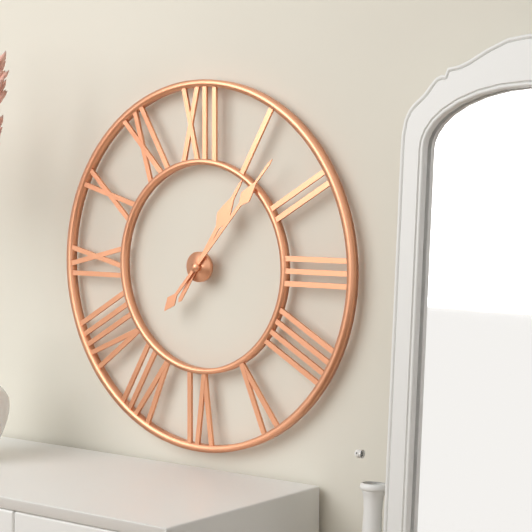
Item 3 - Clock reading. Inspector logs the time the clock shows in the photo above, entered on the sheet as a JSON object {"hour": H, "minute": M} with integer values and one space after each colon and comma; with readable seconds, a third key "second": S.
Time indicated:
{"hour": 1, "minute": 7}
